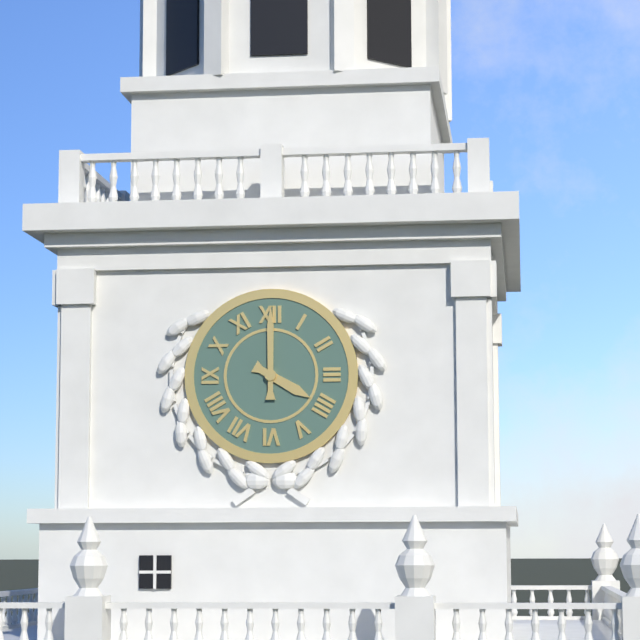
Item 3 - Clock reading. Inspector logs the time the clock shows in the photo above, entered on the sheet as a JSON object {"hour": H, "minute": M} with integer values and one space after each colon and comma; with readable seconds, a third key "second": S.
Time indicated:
{"hour": 4, "minute": 0}
